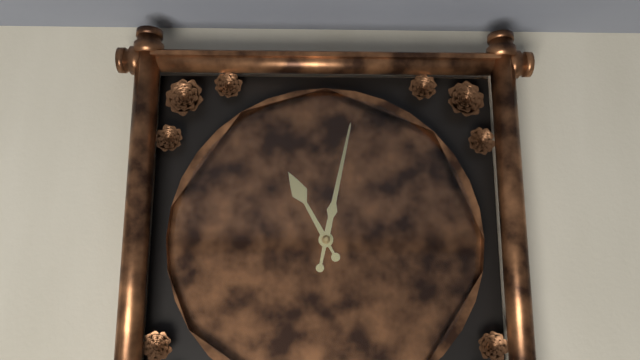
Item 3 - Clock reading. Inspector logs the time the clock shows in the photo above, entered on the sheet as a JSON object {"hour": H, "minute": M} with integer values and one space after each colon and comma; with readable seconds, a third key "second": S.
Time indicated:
{"hour": 11, "minute": 2}
